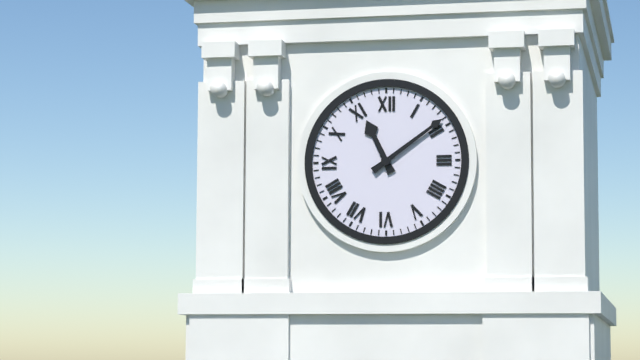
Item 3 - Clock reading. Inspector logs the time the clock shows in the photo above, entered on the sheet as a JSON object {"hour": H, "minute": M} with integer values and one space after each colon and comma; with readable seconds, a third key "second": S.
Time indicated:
{"hour": 11, "minute": 9}
